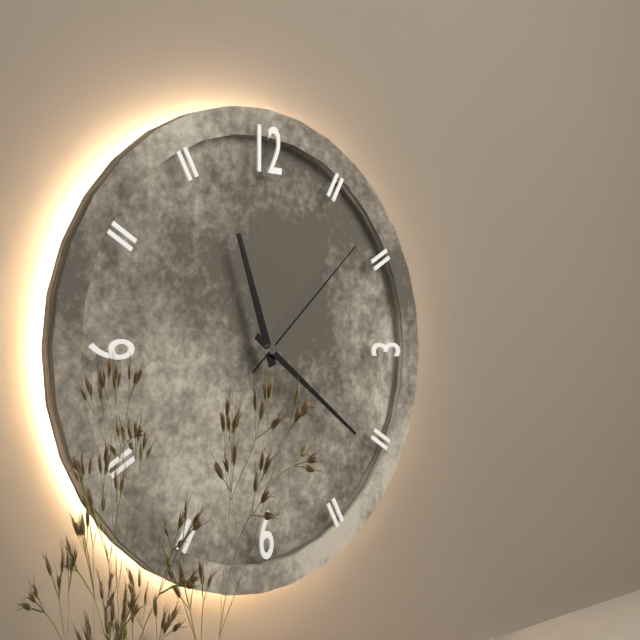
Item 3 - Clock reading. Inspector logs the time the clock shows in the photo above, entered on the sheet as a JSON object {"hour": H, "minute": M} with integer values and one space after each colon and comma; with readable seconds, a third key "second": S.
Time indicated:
{"hour": 11, "minute": 21, "second": 8}
